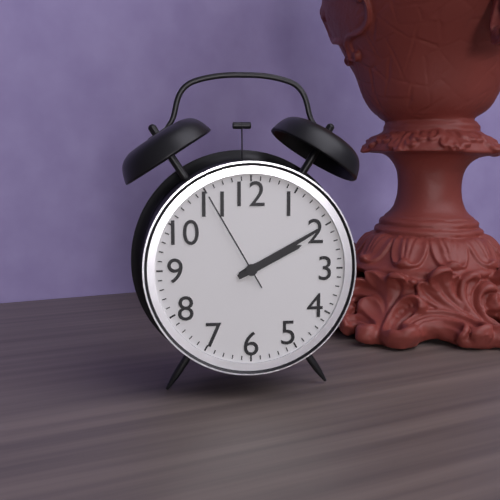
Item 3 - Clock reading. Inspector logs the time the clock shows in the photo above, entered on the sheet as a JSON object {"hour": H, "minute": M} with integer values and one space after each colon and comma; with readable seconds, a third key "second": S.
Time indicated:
{"hour": 2, "minute": 10, "second": 55}
